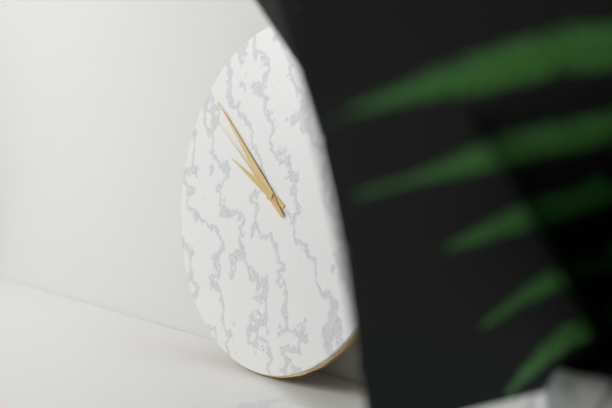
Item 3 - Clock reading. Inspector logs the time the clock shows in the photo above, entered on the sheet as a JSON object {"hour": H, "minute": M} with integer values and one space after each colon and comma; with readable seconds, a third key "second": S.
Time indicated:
{"hour": 9, "minute": 52, "second": 51}
